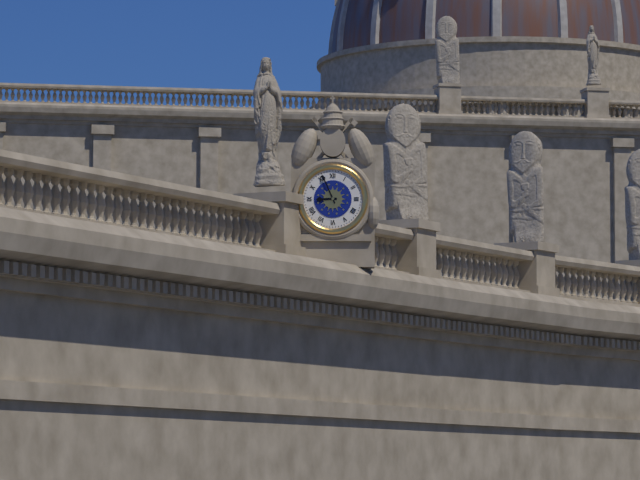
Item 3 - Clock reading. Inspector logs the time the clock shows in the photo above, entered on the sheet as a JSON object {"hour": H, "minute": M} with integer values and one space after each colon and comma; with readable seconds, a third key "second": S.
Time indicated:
{"hour": 8, "minute": 56}
